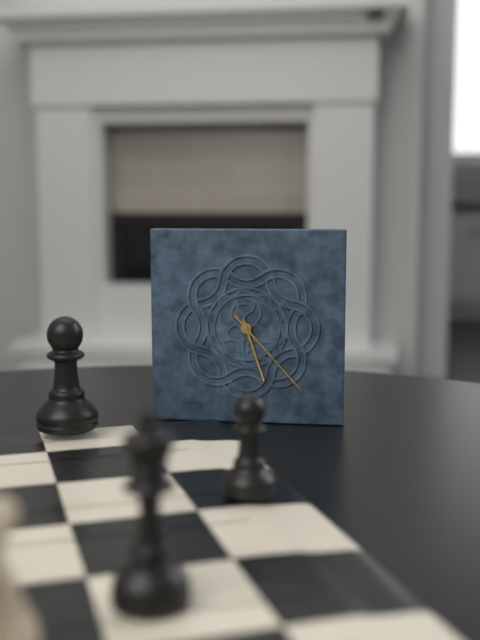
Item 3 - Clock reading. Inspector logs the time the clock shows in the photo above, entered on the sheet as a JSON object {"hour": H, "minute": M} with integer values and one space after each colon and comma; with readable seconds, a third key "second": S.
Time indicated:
{"hour": 5, "minute": 23}
